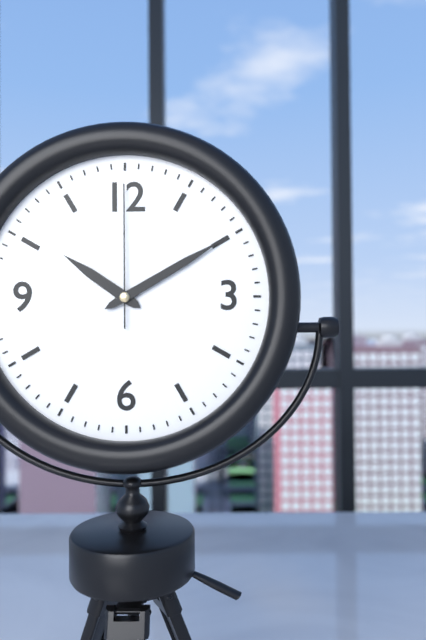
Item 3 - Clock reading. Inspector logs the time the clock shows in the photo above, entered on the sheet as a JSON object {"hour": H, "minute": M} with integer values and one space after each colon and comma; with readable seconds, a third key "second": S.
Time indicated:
{"hour": 10, "minute": 10, "second": 0}
